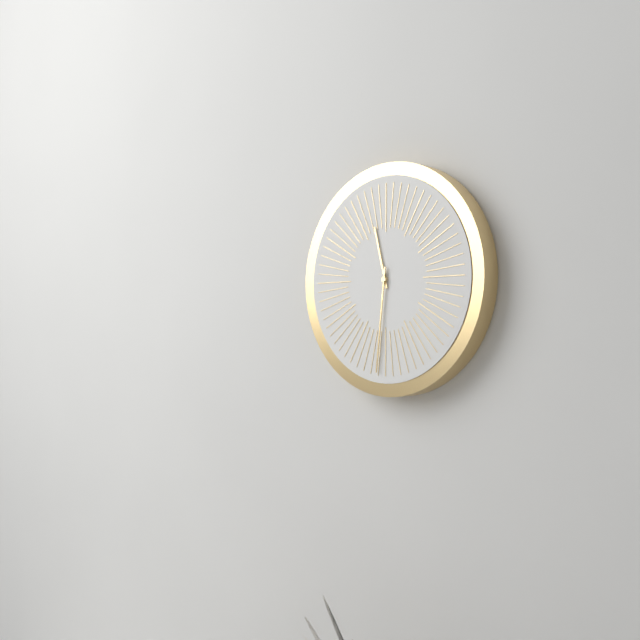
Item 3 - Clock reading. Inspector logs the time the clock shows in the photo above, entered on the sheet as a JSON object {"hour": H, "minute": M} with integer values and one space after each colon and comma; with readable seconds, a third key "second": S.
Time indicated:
{"hour": 11, "minute": 31}
